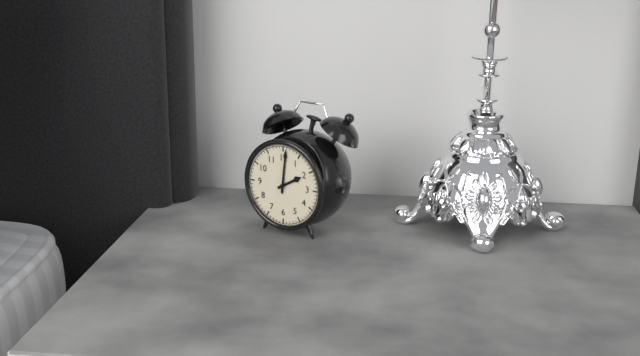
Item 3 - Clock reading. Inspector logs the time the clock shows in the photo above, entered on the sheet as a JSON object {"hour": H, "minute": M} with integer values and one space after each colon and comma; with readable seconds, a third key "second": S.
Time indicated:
{"hour": 2, "minute": 1}
